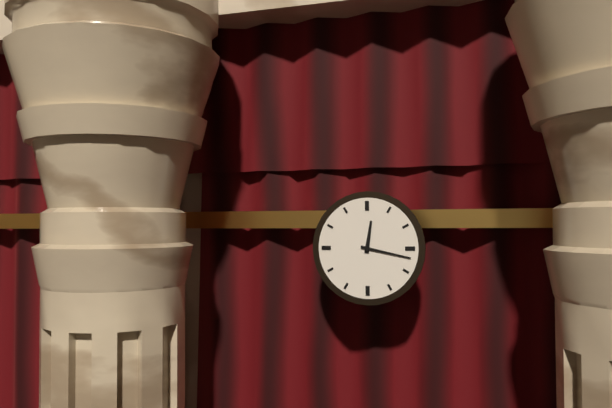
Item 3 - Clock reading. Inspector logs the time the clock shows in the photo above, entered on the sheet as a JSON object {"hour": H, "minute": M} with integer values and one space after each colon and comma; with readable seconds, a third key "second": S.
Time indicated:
{"hour": 12, "minute": 17}
